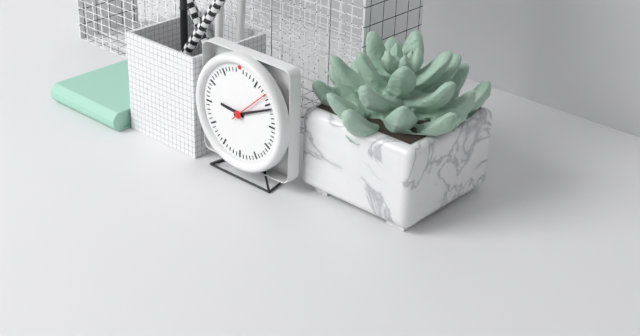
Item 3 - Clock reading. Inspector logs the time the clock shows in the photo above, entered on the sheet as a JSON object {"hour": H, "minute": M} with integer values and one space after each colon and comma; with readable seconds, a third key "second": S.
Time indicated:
{"hour": 9, "minute": 11}
